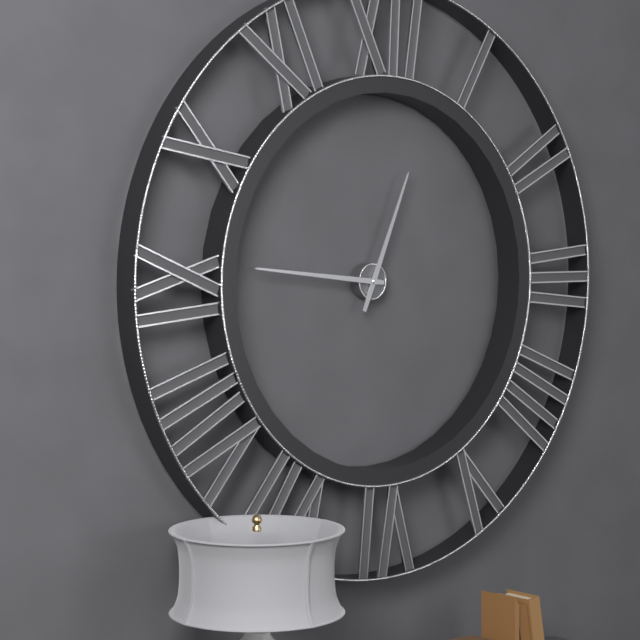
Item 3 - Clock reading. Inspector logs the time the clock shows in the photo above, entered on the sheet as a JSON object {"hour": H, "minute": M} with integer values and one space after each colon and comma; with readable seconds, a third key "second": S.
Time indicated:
{"hour": 12, "minute": 46}
